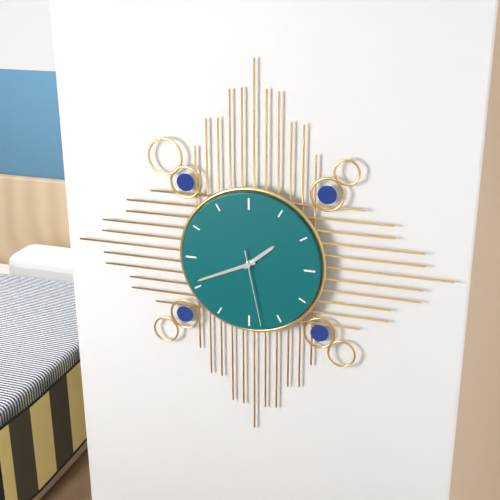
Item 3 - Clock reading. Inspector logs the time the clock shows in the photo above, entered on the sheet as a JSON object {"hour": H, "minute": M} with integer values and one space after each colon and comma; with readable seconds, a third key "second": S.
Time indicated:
{"hour": 1, "minute": 41, "second": 28}
